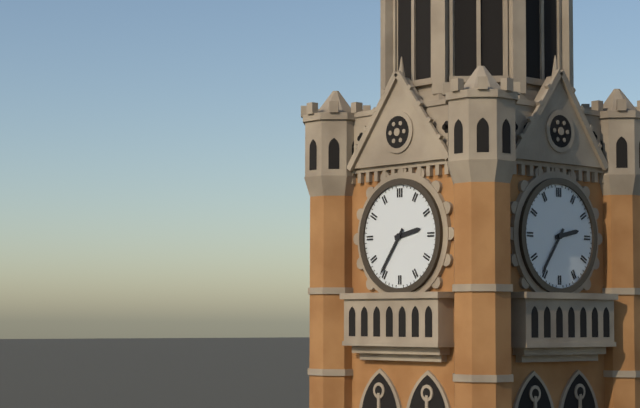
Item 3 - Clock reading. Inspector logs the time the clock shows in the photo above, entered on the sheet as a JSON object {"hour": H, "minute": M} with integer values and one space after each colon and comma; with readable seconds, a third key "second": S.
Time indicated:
{"hour": 2, "minute": 36}
